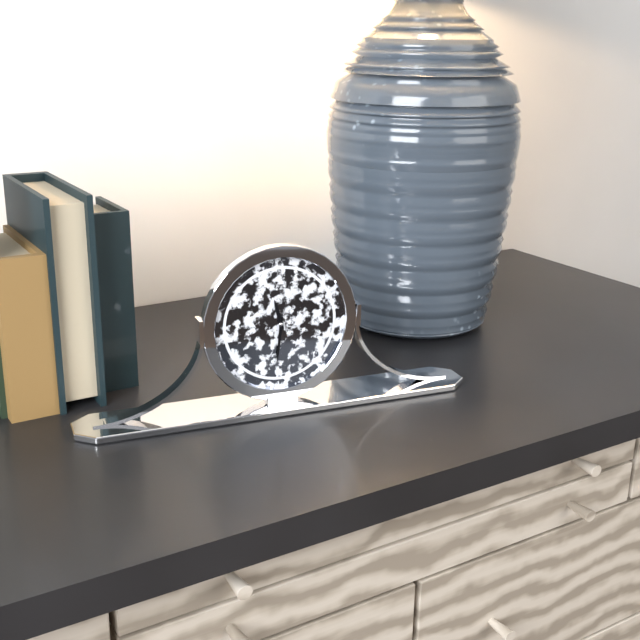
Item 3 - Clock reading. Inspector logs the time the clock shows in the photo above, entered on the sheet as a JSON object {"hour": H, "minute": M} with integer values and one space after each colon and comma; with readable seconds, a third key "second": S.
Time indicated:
{"hour": 11, "minute": 31}
